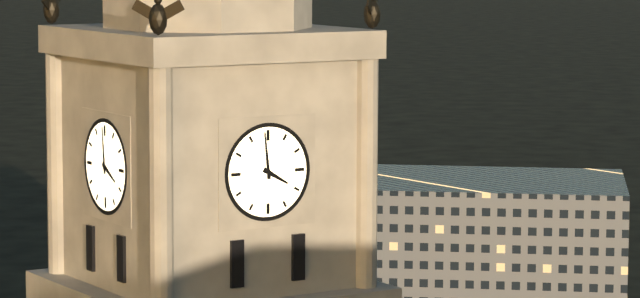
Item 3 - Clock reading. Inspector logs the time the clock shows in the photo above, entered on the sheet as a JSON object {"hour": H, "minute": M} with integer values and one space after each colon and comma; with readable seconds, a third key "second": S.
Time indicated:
{"hour": 3, "minute": 59}
